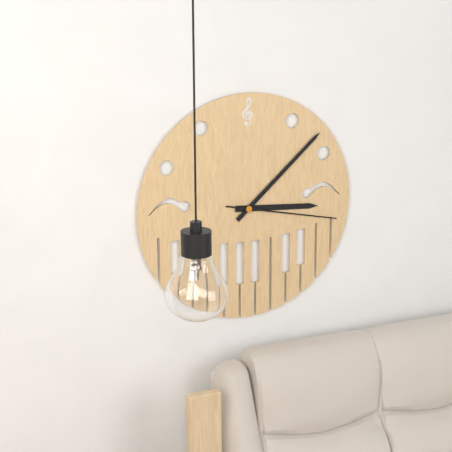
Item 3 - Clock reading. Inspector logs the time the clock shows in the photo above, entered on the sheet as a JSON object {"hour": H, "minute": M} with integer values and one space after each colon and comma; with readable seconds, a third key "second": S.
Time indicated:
{"hour": 3, "minute": 8, "second": 17}
